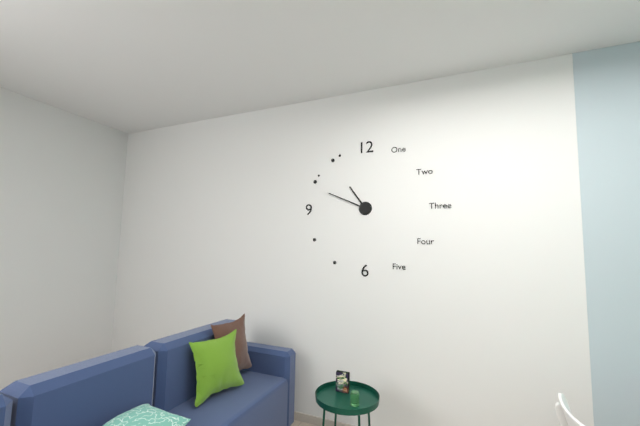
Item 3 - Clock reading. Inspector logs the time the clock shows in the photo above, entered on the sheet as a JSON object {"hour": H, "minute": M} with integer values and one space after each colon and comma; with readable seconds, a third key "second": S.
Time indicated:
{"hour": 10, "minute": 49}
